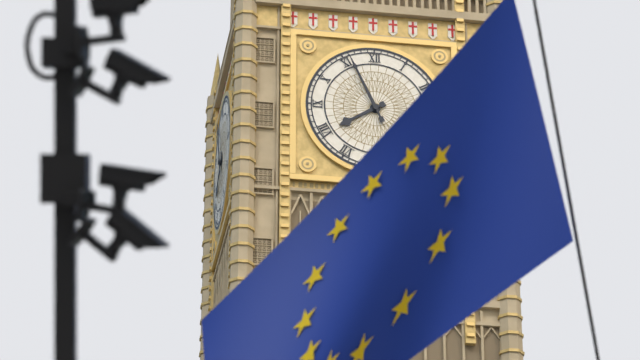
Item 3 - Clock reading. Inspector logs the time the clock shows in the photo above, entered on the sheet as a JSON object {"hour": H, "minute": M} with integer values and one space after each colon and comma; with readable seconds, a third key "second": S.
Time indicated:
{"hour": 7, "minute": 56}
